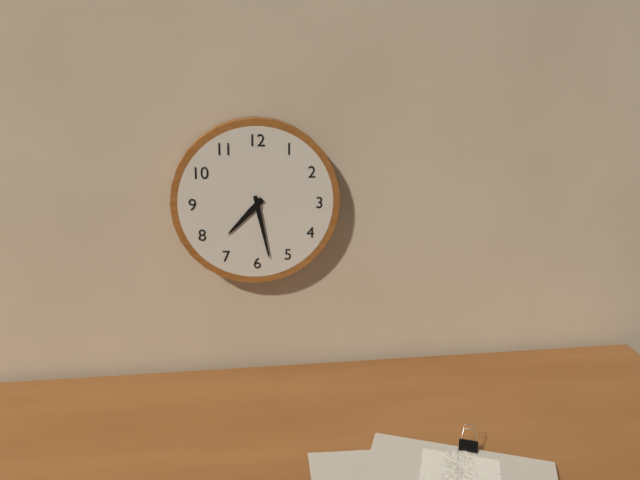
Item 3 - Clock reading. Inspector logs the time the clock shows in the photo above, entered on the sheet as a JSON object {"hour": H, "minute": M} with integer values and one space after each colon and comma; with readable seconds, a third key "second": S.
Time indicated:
{"hour": 7, "minute": 28}
